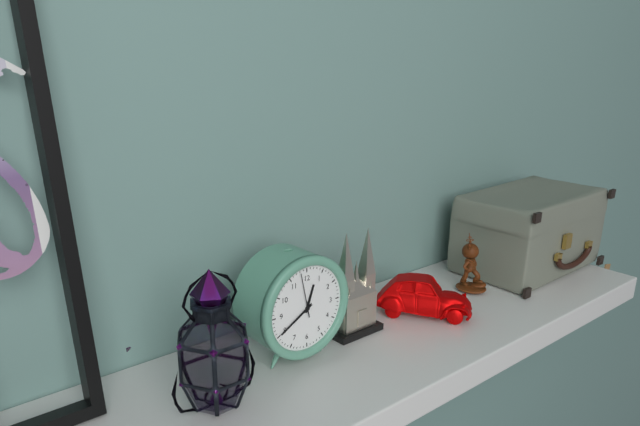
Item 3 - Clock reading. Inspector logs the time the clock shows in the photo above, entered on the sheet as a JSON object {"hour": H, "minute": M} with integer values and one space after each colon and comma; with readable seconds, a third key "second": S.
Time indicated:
{"hour": 12, "minute": 40}
